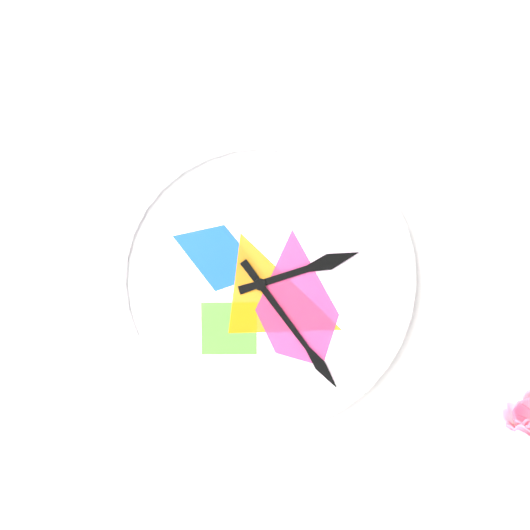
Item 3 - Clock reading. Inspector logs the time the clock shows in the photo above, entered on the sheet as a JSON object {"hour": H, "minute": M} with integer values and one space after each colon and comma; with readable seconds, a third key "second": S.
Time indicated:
{"hour": 2, "minute": 24}
